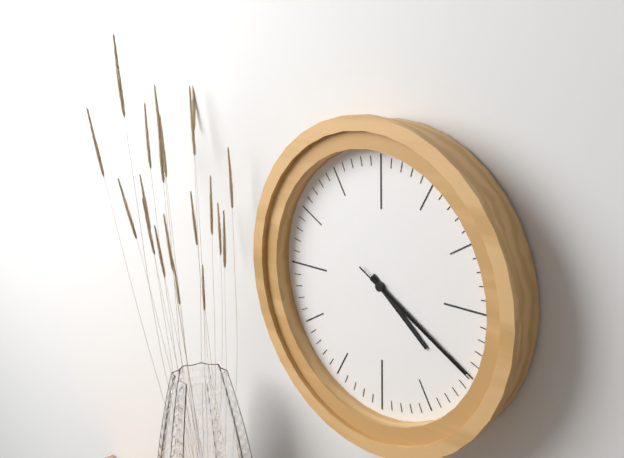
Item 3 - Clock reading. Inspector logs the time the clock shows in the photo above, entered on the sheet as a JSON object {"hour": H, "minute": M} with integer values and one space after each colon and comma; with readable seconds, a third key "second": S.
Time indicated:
{"hour": 4, "minute": 20, "second": 20}
